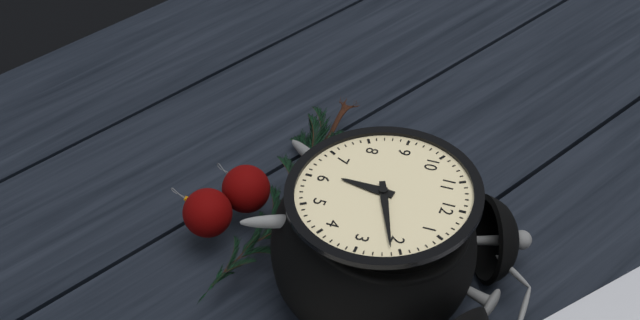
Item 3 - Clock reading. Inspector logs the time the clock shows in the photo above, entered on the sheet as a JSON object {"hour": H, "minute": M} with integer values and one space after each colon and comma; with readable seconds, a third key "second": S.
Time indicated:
{"hour": 6, "minute": 11}
